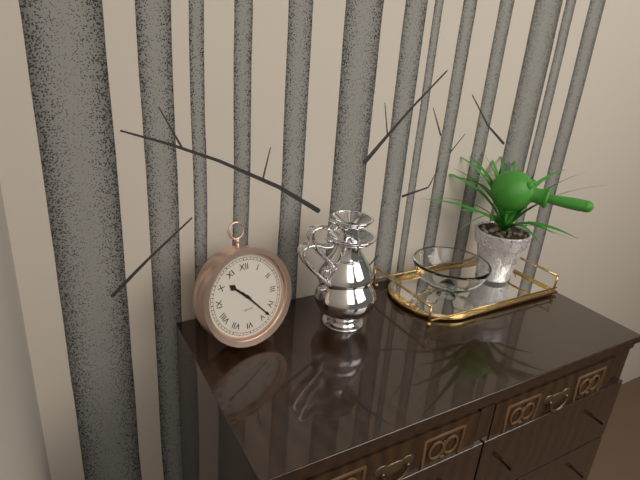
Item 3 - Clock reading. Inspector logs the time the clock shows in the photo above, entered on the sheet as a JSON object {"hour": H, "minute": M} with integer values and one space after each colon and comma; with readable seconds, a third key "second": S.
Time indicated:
{"hour": 10, "minute": 23}
